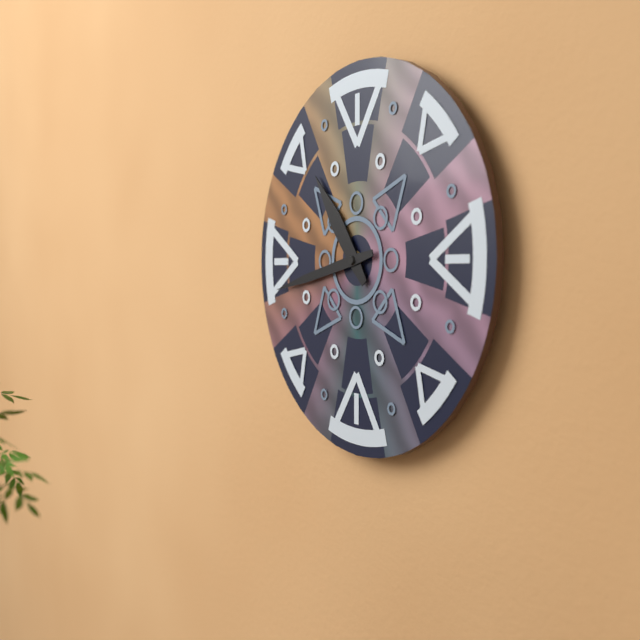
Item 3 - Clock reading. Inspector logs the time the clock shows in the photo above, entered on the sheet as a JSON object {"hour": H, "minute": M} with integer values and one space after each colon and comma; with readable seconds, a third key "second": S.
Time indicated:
{"hour": 10, "minute": 43}
